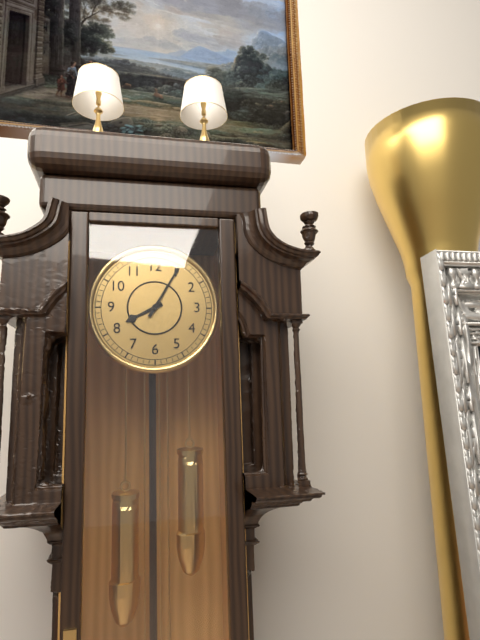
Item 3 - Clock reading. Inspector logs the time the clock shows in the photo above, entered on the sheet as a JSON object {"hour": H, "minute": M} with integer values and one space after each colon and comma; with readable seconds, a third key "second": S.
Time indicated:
{"hour": 8, "minute": 5}
